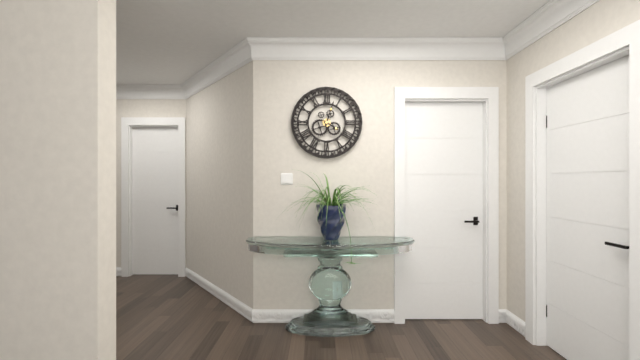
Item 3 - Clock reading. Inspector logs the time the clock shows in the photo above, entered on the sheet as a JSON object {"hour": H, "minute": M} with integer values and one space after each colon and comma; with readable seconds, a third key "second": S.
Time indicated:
{"hour": 4, "minute": 3}
